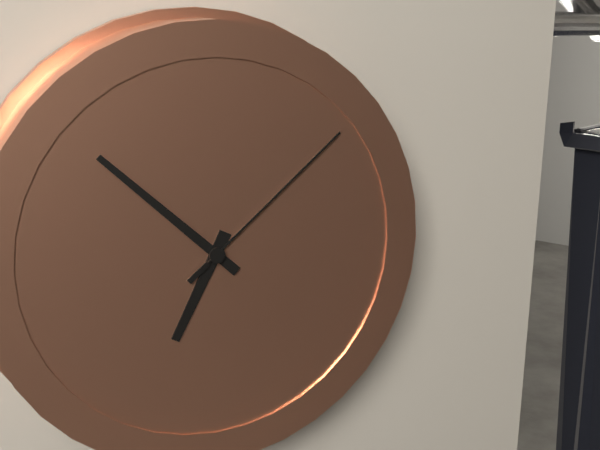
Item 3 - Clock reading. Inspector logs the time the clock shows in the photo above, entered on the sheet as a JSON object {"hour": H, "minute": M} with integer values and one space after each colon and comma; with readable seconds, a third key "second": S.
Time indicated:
{"hour": 6, "minute": 52, "second": 8}
